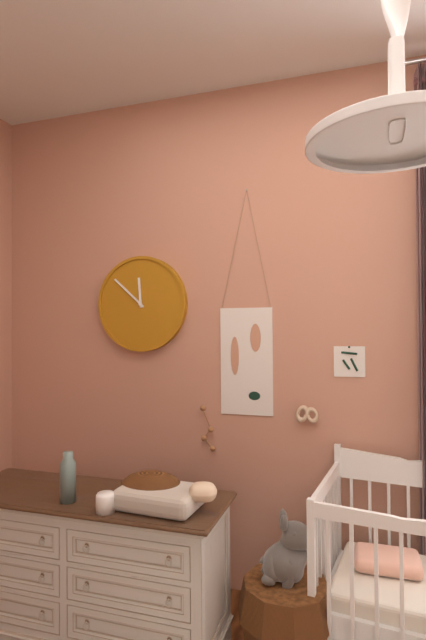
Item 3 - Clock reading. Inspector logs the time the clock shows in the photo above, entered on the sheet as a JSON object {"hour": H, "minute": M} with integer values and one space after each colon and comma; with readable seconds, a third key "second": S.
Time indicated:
{"hour": 11, "minute": 52}
